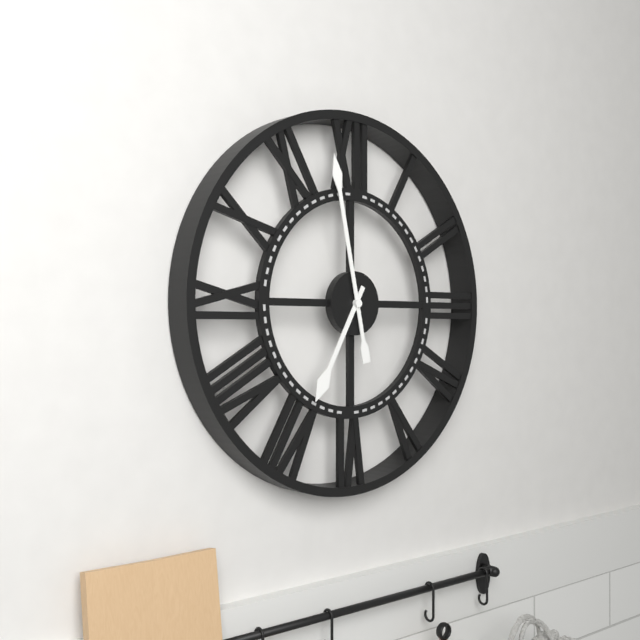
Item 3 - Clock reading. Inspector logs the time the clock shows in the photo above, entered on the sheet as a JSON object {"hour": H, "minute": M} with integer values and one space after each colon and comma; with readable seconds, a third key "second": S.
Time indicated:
{"hour": 6, "minute": 58}
